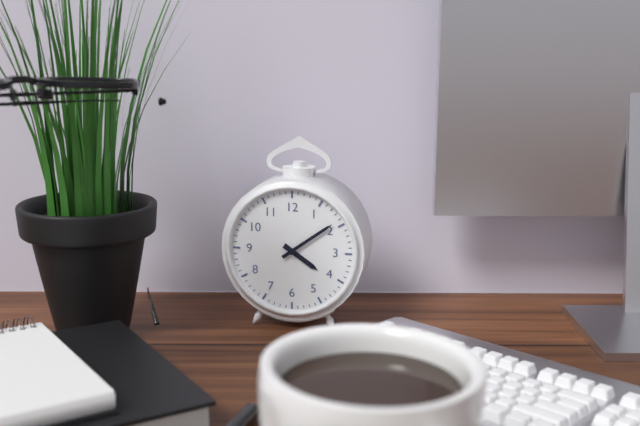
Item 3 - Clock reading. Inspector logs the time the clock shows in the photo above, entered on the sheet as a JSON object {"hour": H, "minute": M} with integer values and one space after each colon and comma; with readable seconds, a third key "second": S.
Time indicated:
{"hour": 4, "minute": 9}
